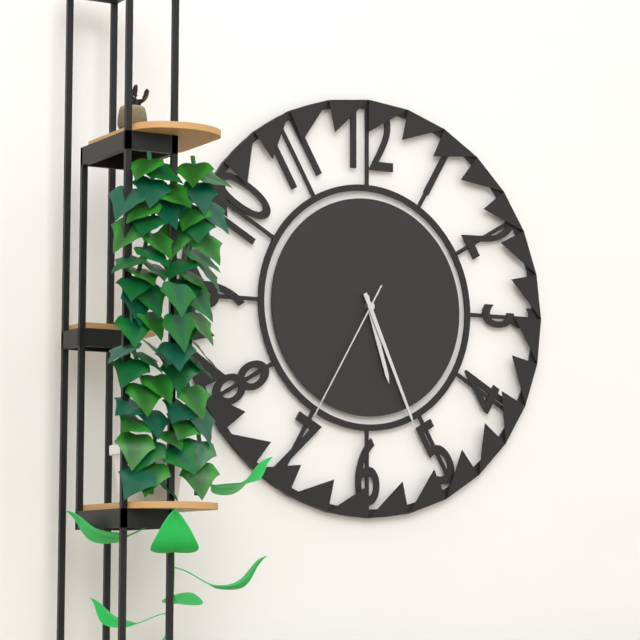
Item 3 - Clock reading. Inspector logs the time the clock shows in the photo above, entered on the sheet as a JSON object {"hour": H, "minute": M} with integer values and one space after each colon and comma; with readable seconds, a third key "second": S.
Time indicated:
{"hour": 5, "minute": 26, "second": 35}
